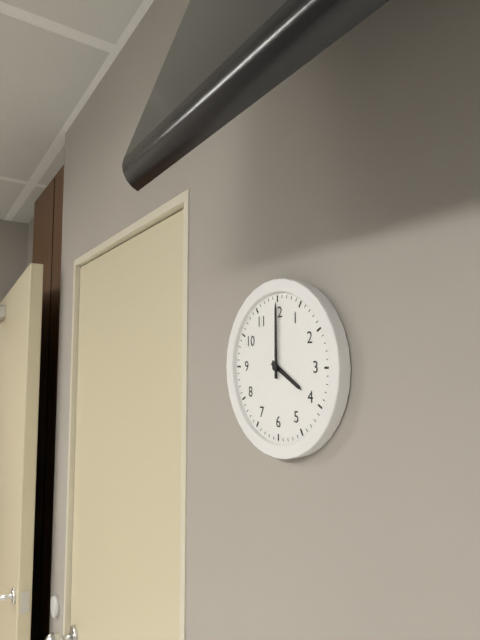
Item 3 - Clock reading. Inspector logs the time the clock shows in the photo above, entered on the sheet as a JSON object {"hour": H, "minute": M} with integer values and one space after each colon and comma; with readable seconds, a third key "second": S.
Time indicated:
{"hour": 4, "minute": 0}
